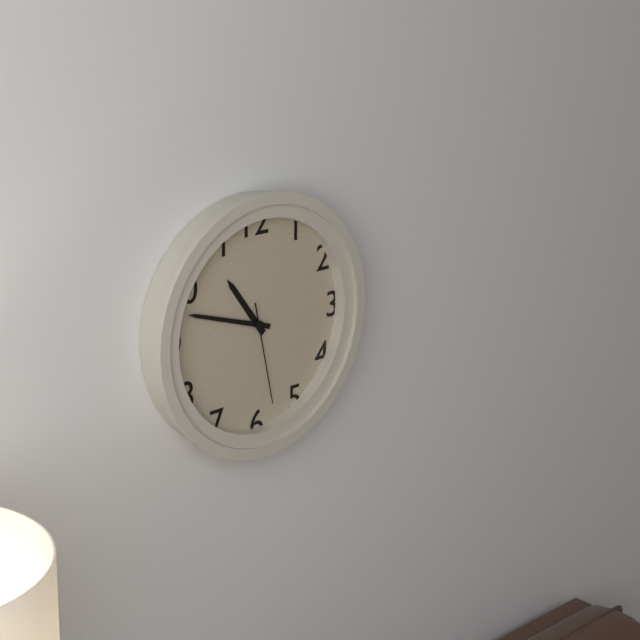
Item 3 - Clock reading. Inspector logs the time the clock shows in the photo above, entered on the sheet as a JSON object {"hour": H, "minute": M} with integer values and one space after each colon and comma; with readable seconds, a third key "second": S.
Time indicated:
{"hour": 10, "minute": 48, "second": 28}
